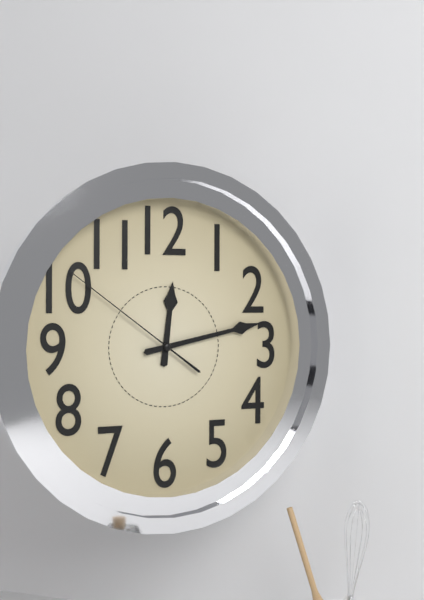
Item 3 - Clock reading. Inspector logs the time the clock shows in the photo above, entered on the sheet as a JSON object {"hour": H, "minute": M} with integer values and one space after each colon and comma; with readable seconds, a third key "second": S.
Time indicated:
{"hour": 12, "minute": 13, "second": 51}
